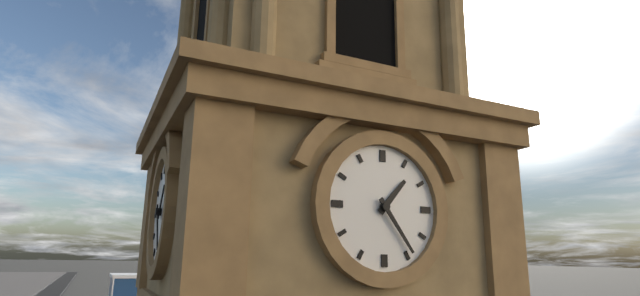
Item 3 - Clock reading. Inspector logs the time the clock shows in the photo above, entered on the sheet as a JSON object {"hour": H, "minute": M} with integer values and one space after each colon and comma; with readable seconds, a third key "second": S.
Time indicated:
{"hour": 1, "minute": 24}
